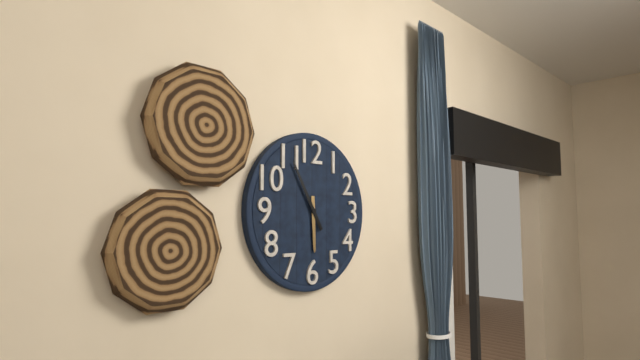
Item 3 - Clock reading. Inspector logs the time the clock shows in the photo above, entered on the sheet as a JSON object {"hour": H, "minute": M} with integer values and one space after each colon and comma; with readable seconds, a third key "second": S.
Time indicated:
{"hour": 5, "minute": 55}
